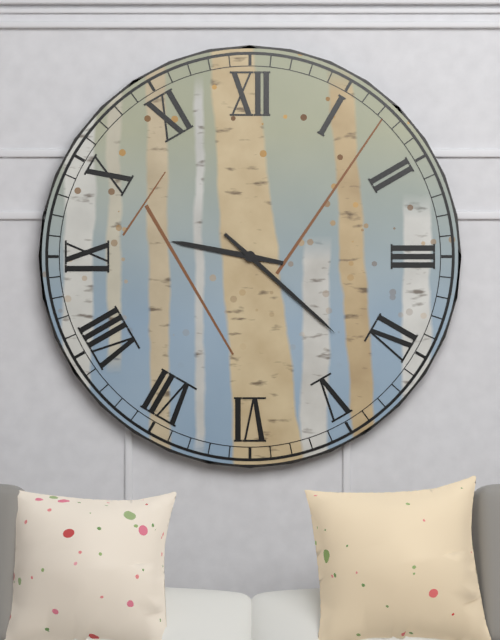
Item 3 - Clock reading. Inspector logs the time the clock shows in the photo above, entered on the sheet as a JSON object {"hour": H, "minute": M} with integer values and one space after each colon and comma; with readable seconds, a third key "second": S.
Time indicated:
{"hour": 9, "minute": 22}
